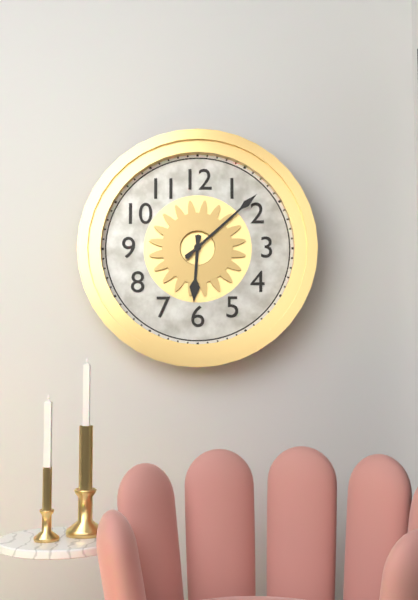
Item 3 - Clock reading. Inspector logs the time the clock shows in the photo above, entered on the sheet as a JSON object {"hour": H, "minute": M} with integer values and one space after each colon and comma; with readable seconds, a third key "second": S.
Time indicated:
{"hour": 6, "minute": 8}
